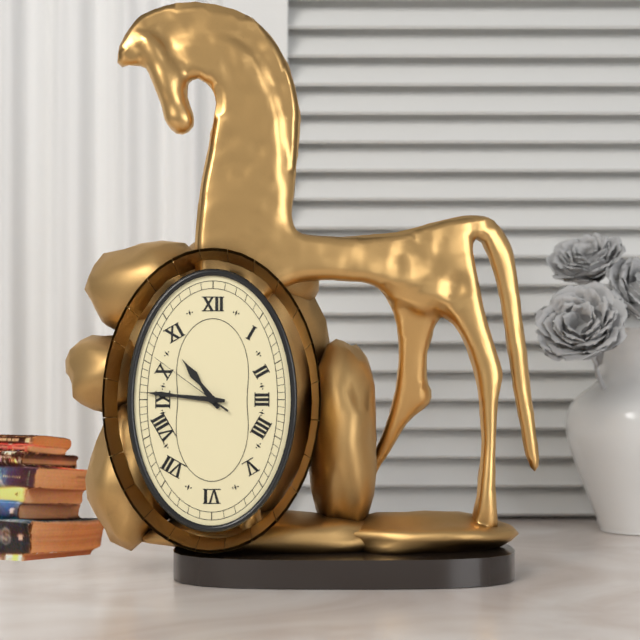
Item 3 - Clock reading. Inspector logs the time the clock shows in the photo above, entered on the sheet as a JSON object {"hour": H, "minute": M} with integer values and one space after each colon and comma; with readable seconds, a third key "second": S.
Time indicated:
{"hour": 10, "minute": 46, "second": 51}
